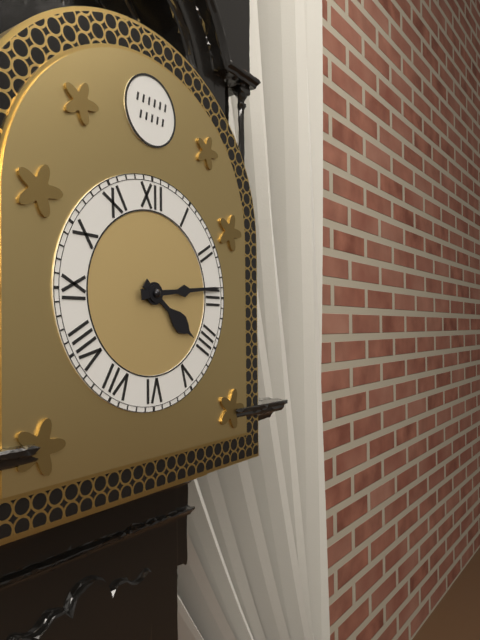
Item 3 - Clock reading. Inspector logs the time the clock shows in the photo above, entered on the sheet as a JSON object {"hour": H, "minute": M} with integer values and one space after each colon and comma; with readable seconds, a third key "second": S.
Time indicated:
{"hour": 4, "minute": 14}
